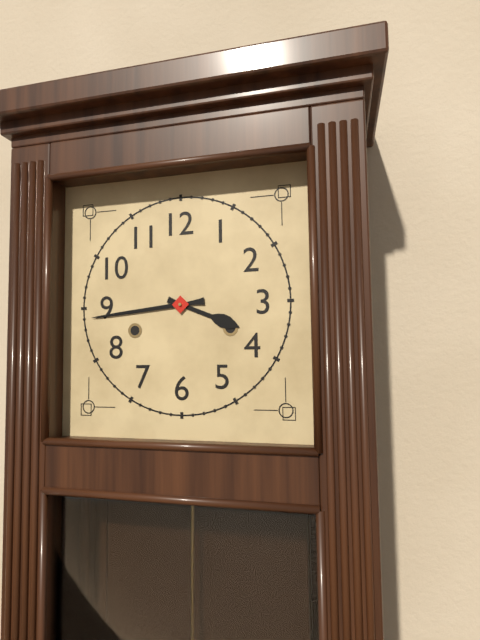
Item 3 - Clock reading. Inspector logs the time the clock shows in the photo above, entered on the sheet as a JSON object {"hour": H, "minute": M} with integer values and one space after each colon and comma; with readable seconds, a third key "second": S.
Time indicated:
{"hour": 3, "minute": 44}
